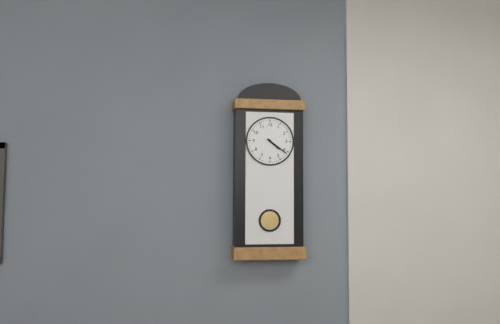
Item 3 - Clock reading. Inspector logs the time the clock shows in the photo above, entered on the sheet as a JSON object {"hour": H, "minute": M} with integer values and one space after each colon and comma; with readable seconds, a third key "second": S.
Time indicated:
{"hour": 4, "minute": 21}
